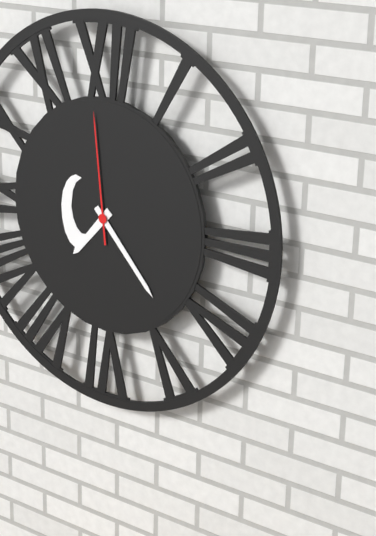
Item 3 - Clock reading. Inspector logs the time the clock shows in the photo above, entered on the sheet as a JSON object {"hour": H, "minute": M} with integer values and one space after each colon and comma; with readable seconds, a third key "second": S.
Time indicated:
{"hour": 7, "minute": 23, "second": 59}
